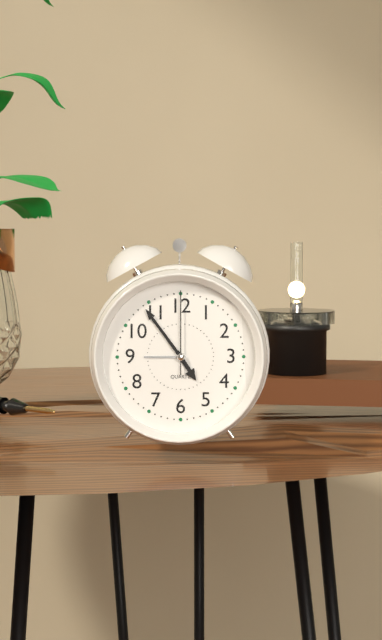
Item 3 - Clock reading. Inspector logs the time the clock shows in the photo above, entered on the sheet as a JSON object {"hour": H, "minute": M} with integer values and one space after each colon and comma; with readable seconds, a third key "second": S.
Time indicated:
{"hour": 4, "minute": 54, "second": 0}
